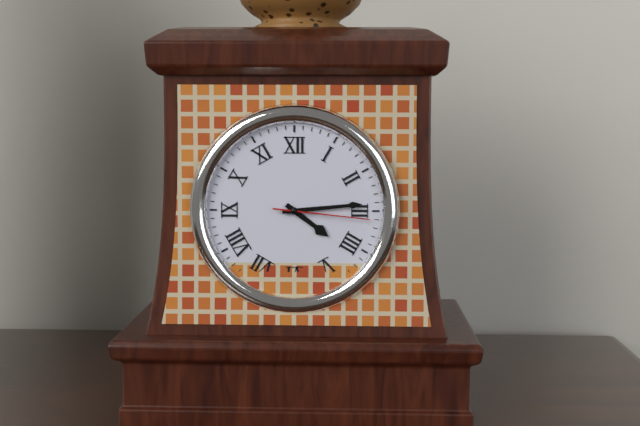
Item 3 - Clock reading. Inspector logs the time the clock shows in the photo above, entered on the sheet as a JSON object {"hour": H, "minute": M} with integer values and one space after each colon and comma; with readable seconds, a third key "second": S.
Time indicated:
{"hour": 4, "minute": 14, "second": 16}
